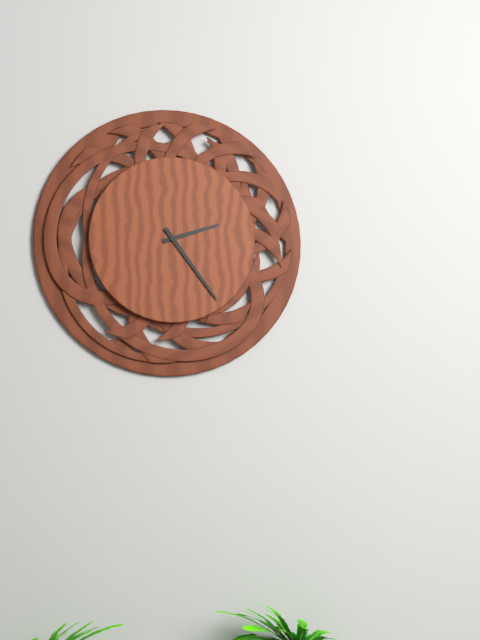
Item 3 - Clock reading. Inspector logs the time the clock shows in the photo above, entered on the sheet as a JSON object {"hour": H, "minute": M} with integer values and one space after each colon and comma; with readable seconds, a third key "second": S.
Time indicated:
{"hour": 2, "minute": 24}
